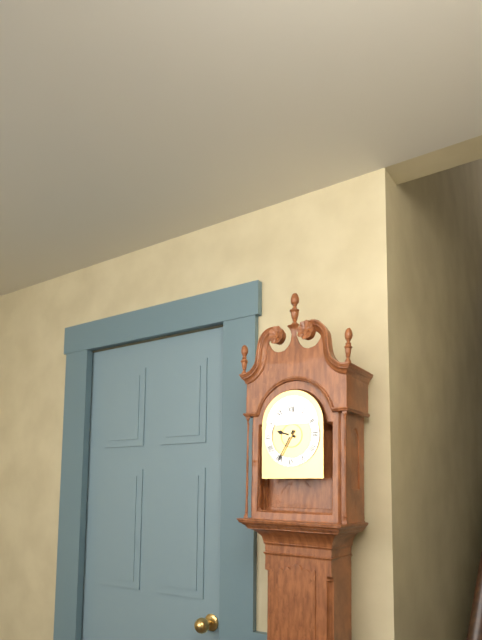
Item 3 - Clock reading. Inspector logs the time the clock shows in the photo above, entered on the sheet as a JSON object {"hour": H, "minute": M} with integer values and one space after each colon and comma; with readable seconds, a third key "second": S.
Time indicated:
{"hour": 9, "minute": 35}
